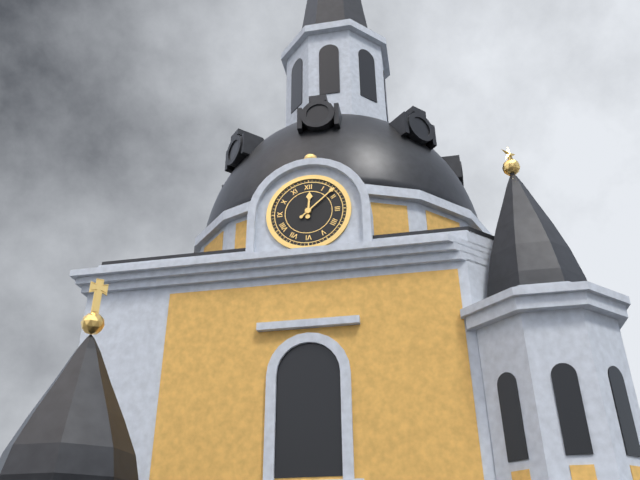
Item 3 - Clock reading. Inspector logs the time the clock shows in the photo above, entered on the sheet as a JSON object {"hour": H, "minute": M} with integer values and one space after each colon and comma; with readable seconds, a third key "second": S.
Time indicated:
{"hour": 12, "minute": 8}
